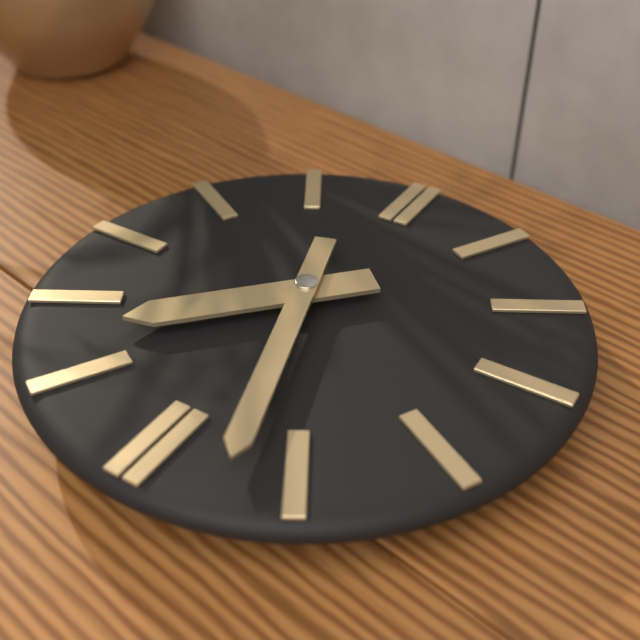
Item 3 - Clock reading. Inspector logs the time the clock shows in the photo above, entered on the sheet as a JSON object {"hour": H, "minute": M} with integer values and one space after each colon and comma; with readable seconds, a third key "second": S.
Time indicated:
{"hour": 7, "minute": 27}
